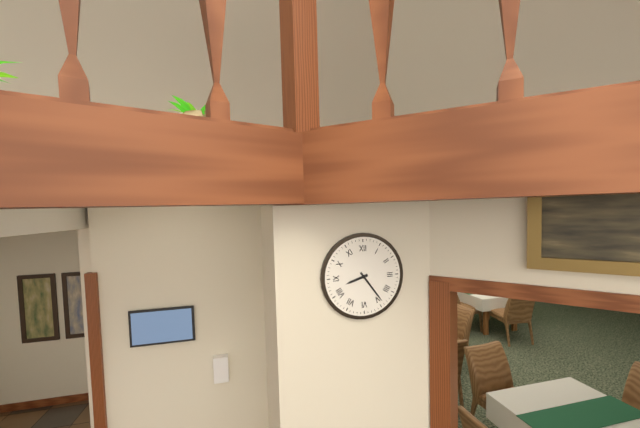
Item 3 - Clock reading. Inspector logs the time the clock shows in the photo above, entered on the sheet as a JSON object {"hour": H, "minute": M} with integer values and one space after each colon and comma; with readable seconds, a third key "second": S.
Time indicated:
{"hour": 8, "minute": 24}
